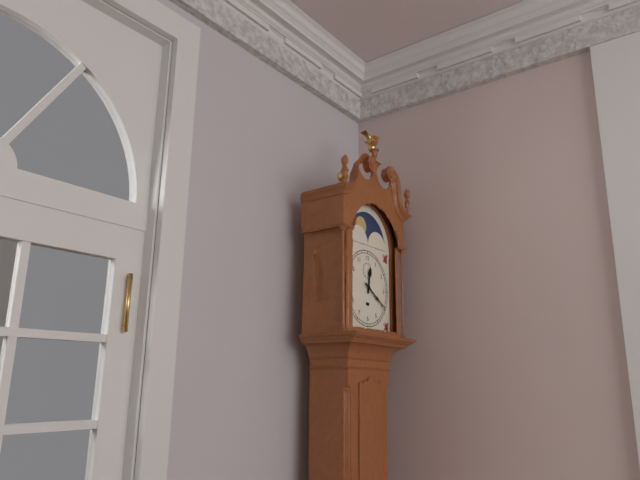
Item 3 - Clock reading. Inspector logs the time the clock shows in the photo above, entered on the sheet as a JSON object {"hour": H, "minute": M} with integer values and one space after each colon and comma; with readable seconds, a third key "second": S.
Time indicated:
{"hour": 12, "minute": 20}
